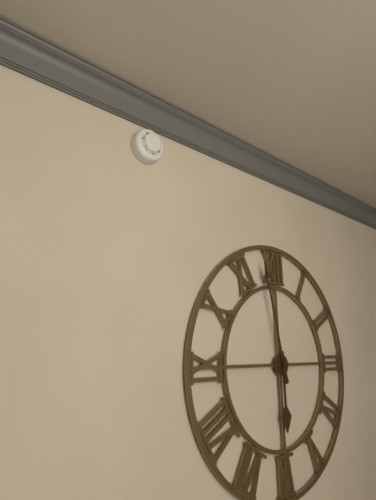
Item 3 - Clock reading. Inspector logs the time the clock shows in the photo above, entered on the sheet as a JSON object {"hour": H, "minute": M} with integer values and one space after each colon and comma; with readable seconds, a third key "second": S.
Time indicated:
{"hour": 5, "minute": 58}
